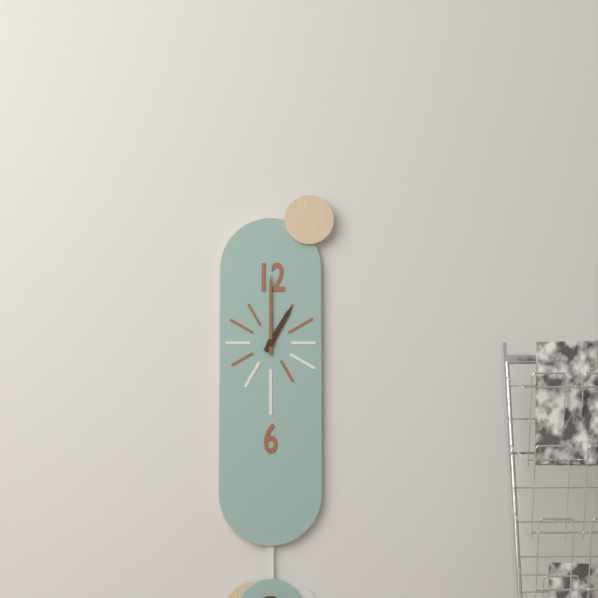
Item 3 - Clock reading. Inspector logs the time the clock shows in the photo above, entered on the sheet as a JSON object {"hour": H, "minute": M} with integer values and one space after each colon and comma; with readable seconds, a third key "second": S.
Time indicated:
{"hour": 1, "minute": 0}
